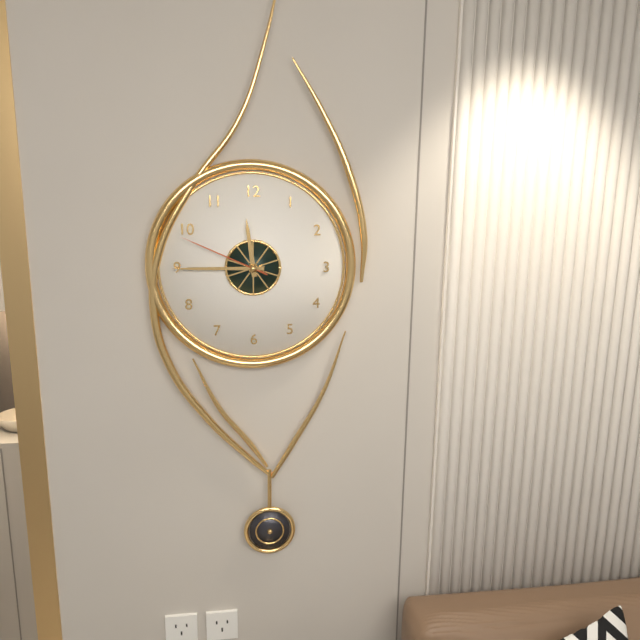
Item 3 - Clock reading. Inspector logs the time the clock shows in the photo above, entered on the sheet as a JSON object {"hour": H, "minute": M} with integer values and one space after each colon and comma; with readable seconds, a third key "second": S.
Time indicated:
{"hour": 11, "minute": 45, "second": 49}
